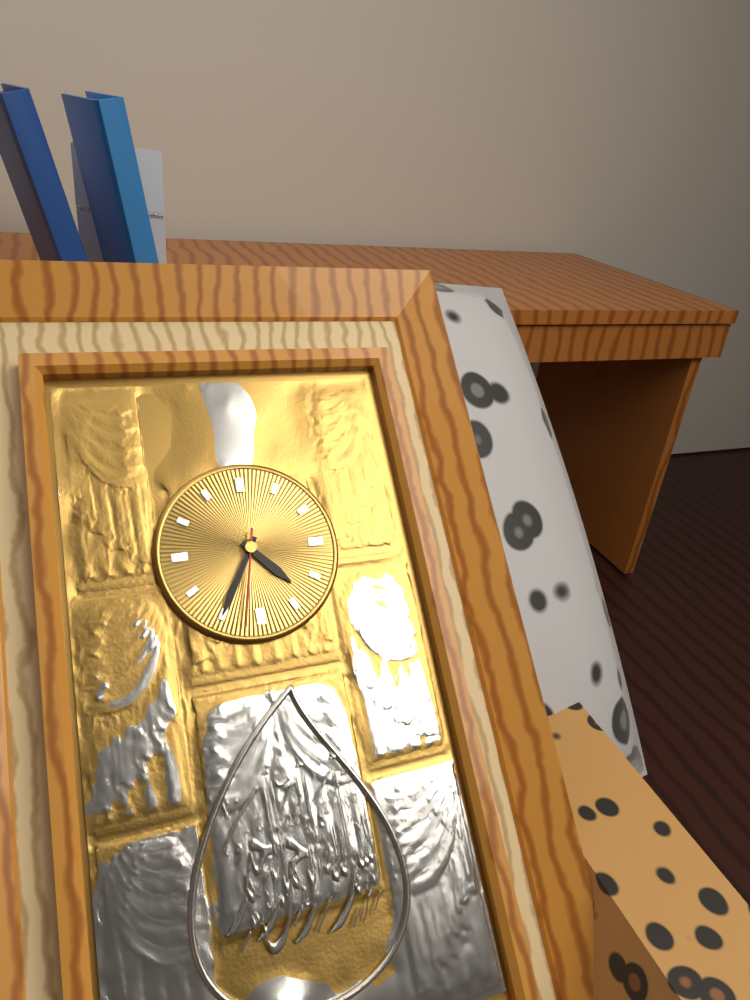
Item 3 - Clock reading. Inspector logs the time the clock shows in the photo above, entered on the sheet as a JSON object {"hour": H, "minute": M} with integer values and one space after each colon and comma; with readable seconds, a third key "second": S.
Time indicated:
{"hour": 4, "minute": 35, "second": 32}
